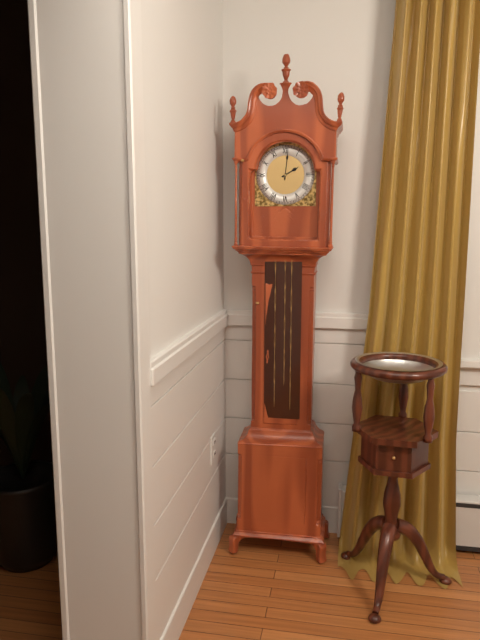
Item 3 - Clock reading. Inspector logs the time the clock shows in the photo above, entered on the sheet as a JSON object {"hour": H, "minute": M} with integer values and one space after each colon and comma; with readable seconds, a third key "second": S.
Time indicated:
{"hour": 2, "minute": 1}
